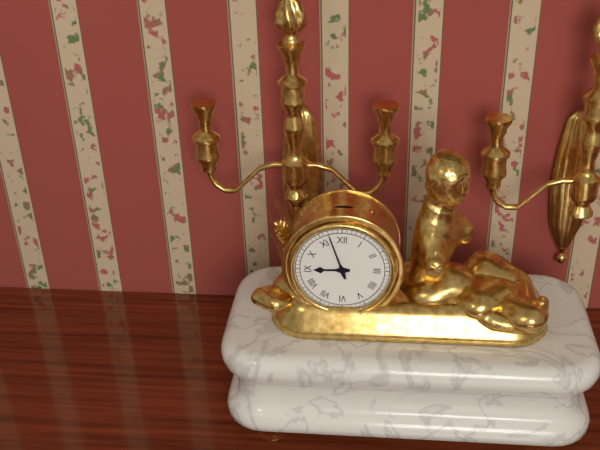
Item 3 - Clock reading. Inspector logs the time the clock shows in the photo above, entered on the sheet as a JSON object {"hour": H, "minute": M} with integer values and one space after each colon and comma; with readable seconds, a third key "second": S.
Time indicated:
{"hour": 8, "minute": 57}
